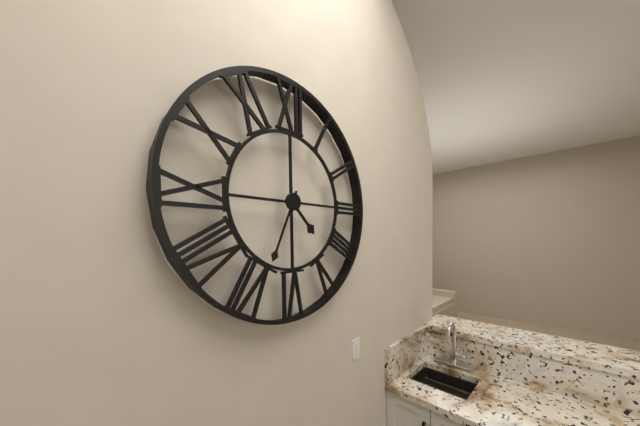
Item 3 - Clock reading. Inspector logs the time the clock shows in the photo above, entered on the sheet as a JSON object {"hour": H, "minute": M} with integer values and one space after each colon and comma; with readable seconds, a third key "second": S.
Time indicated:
{"hour": 4, "minute": 34}
